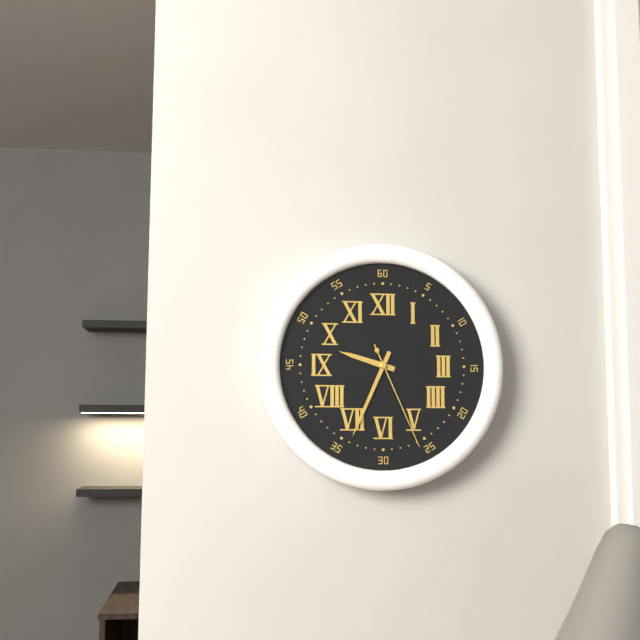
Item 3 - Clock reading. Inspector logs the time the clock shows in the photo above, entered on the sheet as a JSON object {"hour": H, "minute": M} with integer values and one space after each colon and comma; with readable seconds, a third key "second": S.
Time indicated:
{"hour": 9, "minute": 34, "second": 26}
